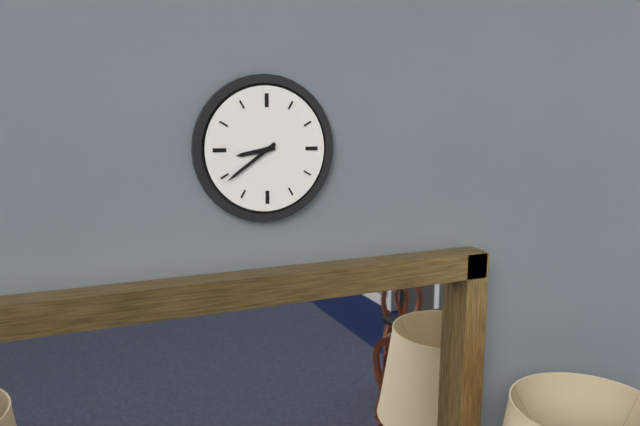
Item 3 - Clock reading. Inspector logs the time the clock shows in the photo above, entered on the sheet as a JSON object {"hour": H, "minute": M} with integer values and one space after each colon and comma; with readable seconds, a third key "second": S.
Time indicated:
{"hour": 8, "minute": 39}
